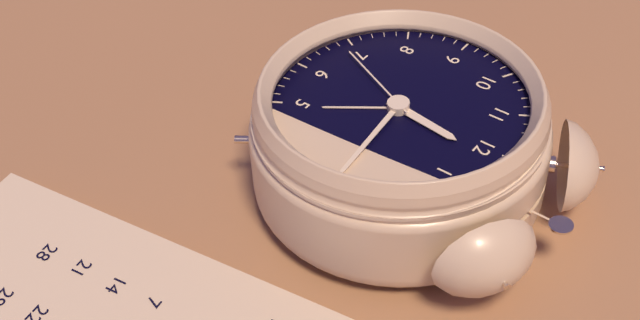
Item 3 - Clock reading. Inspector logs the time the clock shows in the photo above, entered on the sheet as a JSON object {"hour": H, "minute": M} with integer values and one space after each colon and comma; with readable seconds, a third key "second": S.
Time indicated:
{"hour": 12, "minute": 14, "second": 34}
